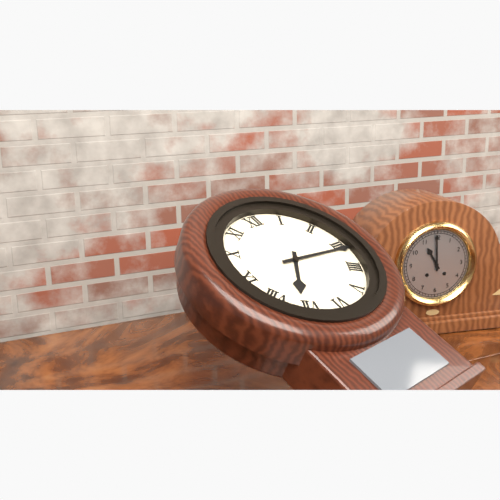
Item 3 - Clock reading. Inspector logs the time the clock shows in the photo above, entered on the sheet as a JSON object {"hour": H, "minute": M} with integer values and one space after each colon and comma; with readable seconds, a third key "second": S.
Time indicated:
{"hour": 7, "minute": 16}
